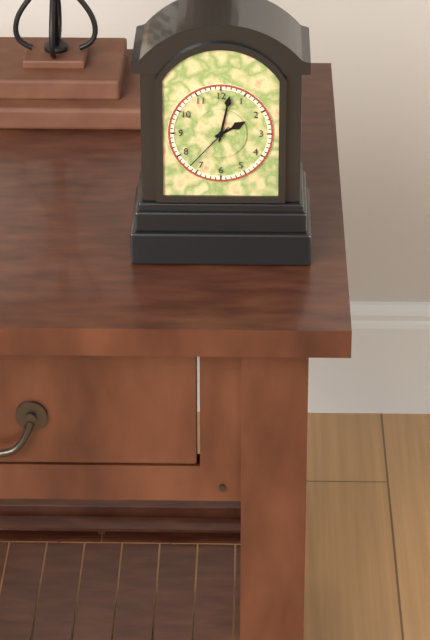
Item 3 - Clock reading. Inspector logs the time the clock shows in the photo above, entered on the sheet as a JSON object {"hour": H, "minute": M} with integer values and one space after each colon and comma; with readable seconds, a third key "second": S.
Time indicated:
{"hour": 2, "minute": 2, "second": 37}
